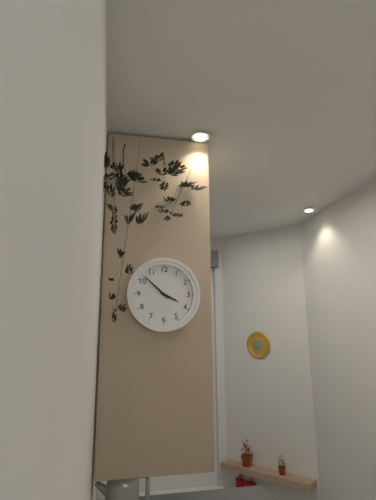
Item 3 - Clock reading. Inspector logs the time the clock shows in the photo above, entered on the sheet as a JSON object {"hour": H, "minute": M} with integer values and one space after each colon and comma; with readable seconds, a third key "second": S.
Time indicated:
{"hour": 3, "minute": 52}
